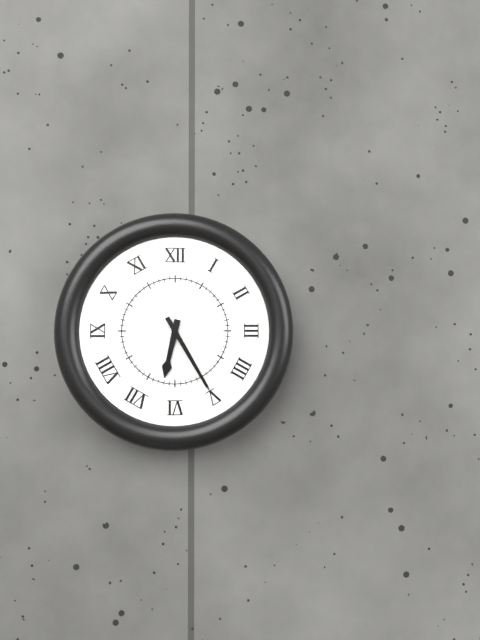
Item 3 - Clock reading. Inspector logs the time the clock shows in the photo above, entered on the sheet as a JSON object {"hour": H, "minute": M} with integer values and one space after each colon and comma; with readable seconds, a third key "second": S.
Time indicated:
{"hour": 6, "minute": 25}
